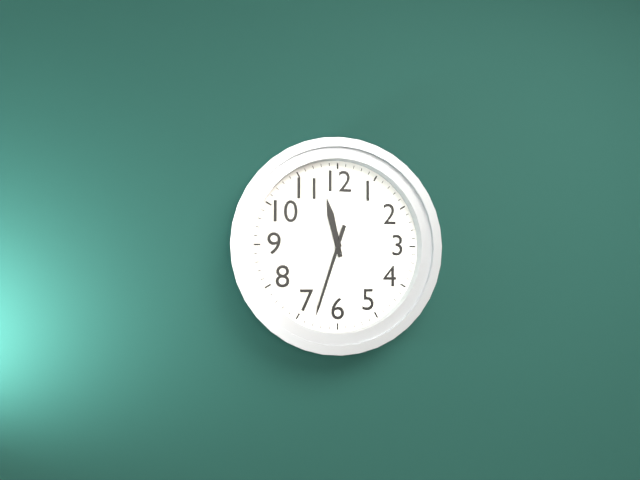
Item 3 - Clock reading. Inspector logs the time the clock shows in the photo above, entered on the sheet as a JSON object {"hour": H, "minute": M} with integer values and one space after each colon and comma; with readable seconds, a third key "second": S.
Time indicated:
{"hour": 11, "minute": 33}
